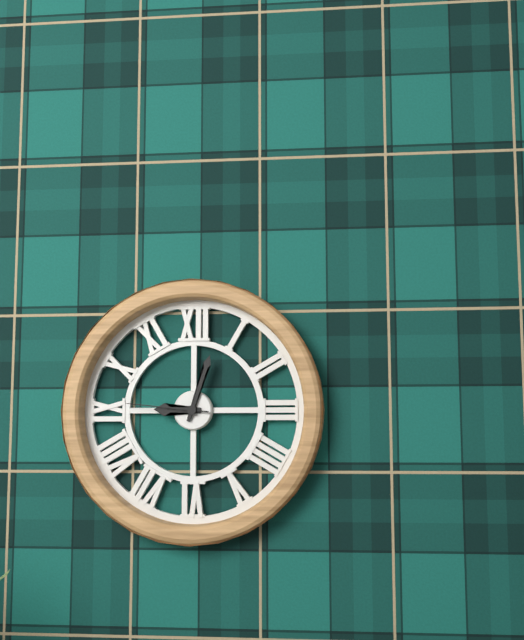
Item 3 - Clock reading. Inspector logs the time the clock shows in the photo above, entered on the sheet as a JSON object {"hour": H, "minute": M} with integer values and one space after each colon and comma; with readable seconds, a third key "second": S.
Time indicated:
{"hour": 9, "minute": 3, "second": 46}
